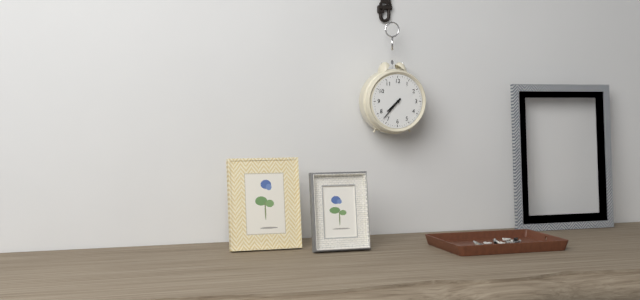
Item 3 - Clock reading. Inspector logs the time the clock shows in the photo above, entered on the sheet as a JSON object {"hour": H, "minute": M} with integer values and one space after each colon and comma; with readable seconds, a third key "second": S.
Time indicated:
{"hour": 7, "minute": 37}
